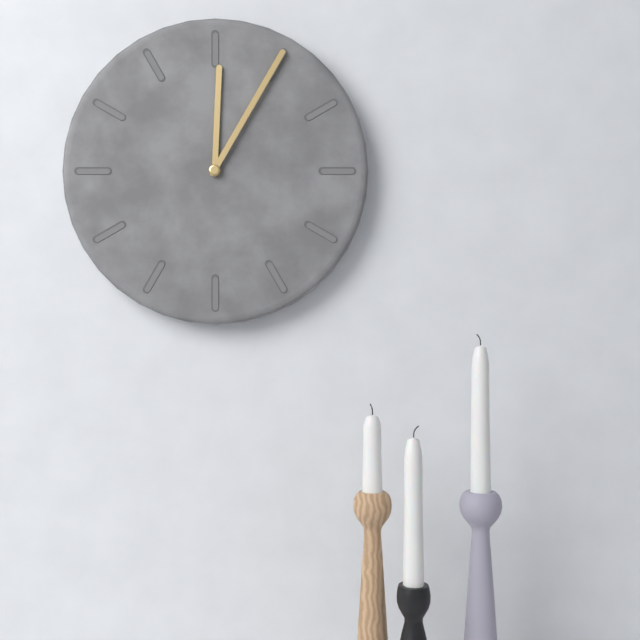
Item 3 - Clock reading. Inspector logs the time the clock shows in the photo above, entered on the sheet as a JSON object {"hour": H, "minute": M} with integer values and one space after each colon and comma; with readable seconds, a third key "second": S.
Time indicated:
{"hour": 12, "minute": 5}
